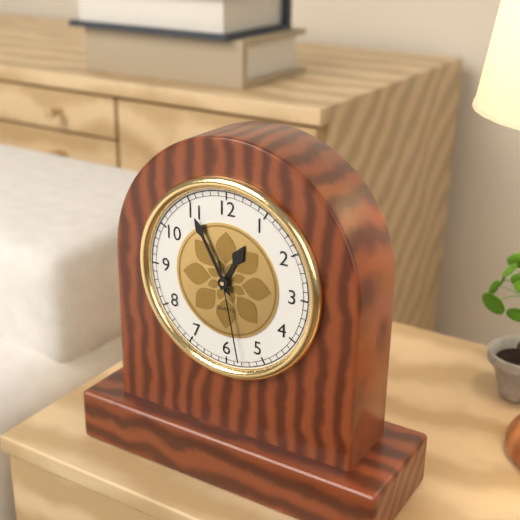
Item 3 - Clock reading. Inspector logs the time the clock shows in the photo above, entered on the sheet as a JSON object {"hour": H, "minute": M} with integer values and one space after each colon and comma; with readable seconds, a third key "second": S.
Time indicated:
{"hour": 12, "minute": 55, "second": 28}
